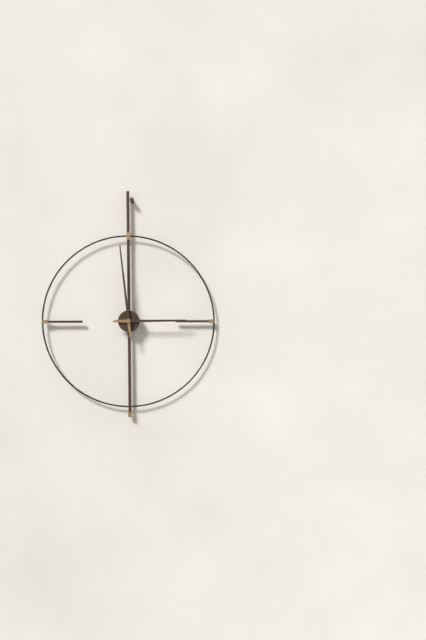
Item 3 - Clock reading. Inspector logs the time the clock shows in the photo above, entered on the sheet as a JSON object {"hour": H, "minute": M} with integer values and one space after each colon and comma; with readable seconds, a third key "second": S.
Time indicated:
{"hour": 2, "minute": 59}
